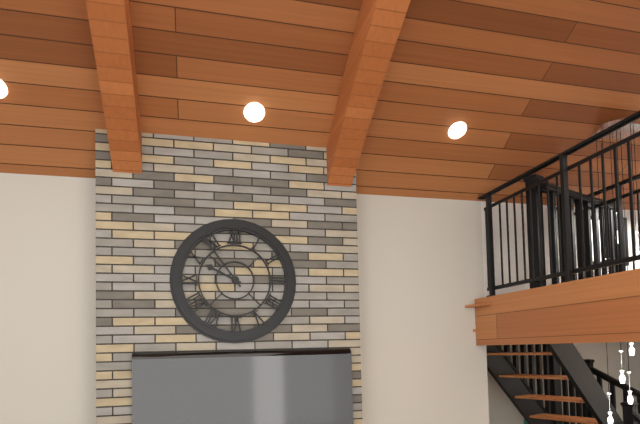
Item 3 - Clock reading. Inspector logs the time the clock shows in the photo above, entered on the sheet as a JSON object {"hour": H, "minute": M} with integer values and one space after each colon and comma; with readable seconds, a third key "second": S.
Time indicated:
{"hour": 9, "minute": 54}
